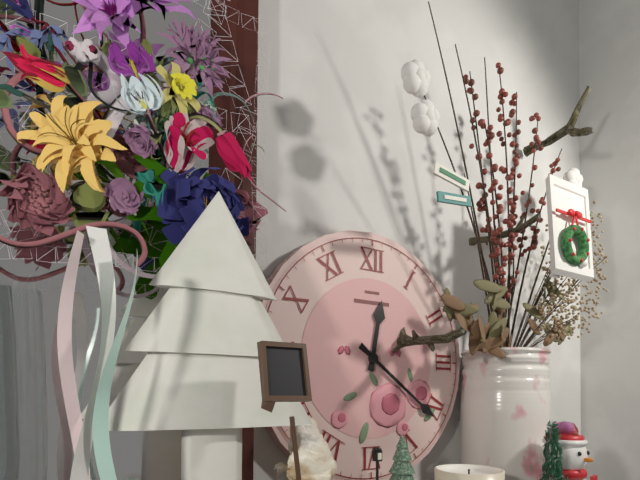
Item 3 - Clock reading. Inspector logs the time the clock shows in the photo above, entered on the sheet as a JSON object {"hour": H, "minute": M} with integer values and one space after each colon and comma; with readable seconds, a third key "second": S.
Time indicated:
{"hour": 12, "minute": 21}
